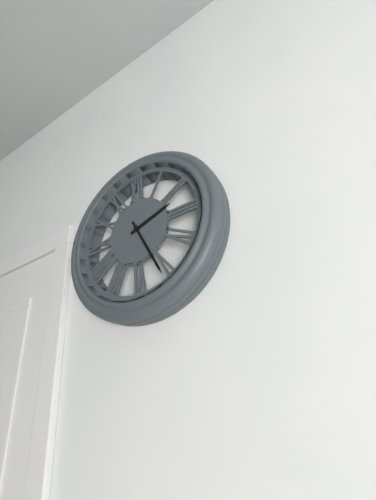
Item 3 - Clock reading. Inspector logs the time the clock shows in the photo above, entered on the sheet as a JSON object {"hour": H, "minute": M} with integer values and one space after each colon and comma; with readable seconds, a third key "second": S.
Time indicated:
{"hour": 2, "minute": 26}
